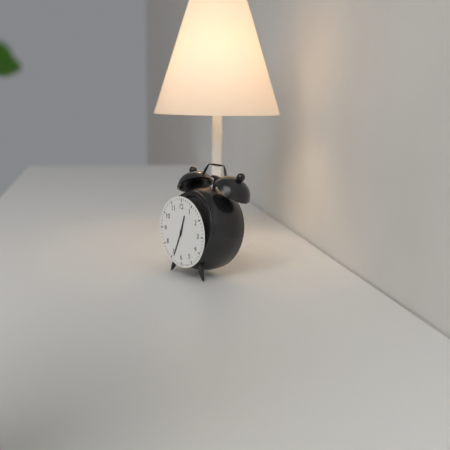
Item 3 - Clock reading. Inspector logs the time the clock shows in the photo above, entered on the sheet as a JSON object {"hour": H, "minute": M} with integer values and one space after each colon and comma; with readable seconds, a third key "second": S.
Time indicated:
{"hour": 12, "minute": 34}
